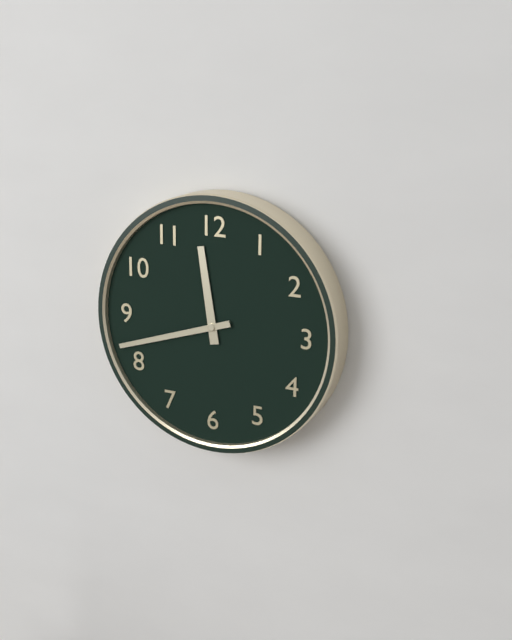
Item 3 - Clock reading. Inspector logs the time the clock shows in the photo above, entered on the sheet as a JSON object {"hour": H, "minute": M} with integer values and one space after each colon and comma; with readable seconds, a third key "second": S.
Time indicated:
{"hour": 11, "minute": 42}
